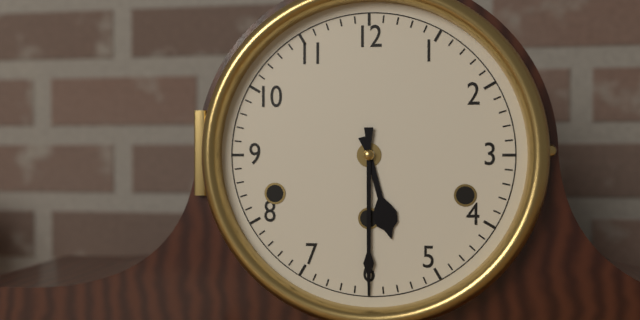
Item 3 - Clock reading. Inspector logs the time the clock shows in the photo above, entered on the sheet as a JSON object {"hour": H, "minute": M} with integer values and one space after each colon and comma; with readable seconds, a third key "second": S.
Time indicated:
{"hour": 5, "minute": 30}
